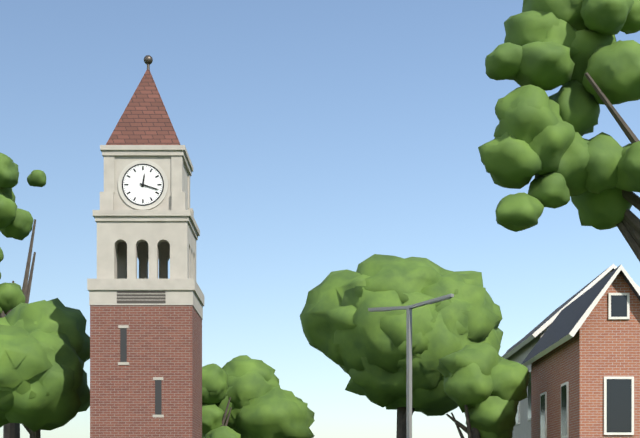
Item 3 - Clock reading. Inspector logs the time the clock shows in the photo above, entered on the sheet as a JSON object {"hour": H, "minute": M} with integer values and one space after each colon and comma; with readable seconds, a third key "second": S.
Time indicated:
{"hour": 12, "minute": 18}
